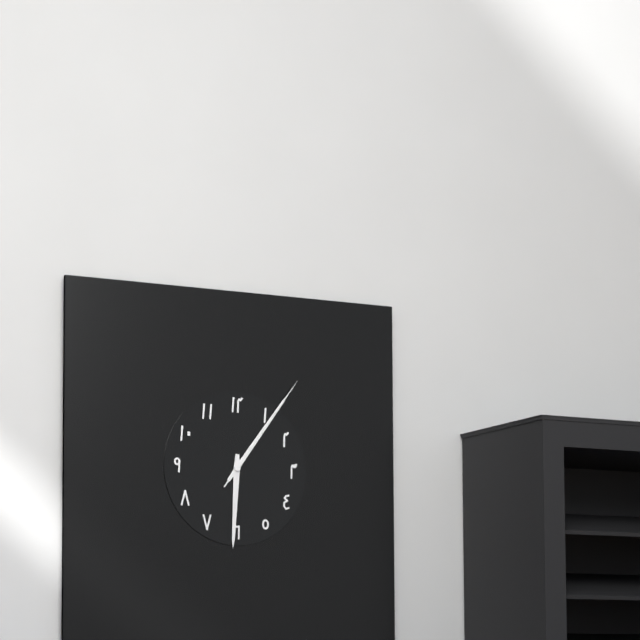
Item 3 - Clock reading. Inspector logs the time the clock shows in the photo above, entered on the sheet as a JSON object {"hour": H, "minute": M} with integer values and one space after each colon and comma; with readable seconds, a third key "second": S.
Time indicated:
{"hour": 6, "minute": 6, "second": 6}
